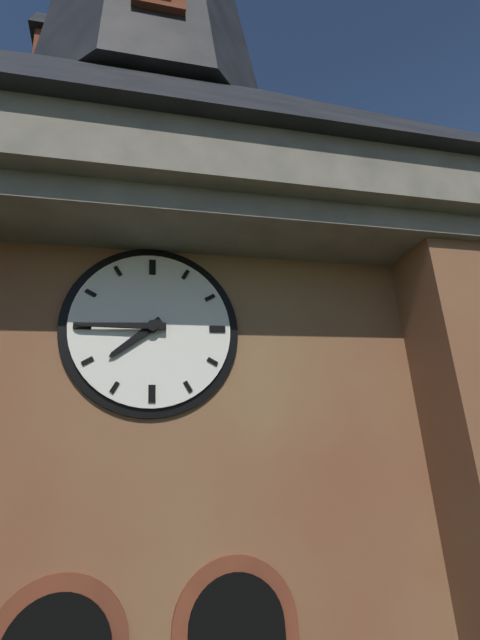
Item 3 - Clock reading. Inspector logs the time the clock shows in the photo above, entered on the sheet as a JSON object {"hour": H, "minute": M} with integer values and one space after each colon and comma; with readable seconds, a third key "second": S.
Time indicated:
{"hour": 7, "minute": 45}
